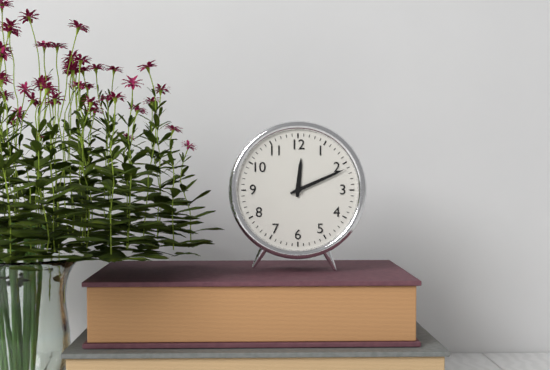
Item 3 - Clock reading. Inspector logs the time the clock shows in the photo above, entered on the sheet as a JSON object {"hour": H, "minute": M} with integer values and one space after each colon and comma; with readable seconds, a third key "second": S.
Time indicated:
{"hour": 12, "minute": 11}
